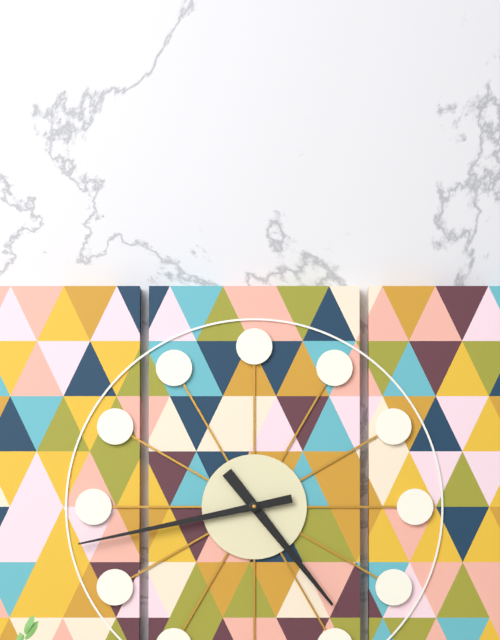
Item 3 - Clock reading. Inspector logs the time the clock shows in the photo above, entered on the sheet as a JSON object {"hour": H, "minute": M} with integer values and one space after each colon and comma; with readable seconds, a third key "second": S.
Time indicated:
{"hour": 4, "minute": 43}
